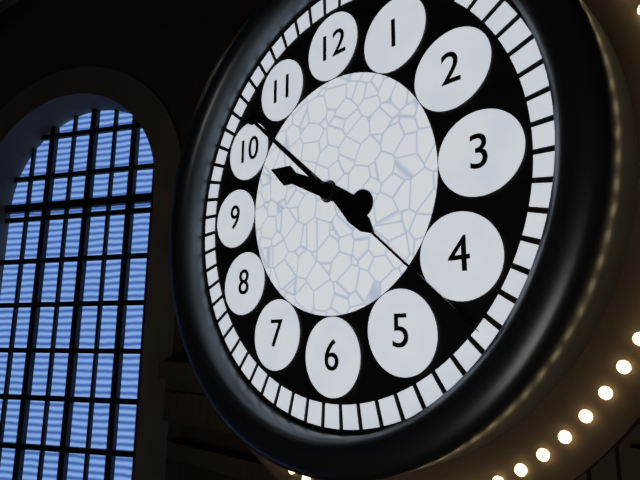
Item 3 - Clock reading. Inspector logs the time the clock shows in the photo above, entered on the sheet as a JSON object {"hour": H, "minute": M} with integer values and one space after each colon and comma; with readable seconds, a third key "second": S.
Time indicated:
{"hour": 9, "minute": 52, "second": 22}
